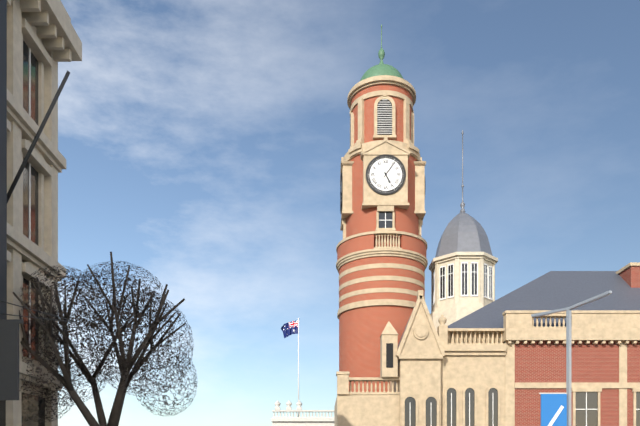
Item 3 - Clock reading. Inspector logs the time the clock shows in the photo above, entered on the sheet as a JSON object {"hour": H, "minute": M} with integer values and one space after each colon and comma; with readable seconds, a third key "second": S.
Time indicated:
{"hour": 5, "minute": 6}
